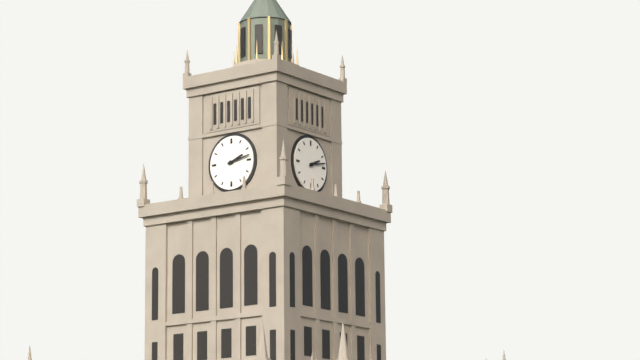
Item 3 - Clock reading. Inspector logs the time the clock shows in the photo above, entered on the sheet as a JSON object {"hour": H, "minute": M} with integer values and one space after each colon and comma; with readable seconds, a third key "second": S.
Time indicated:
{"hour": 2, "minute": 13}
